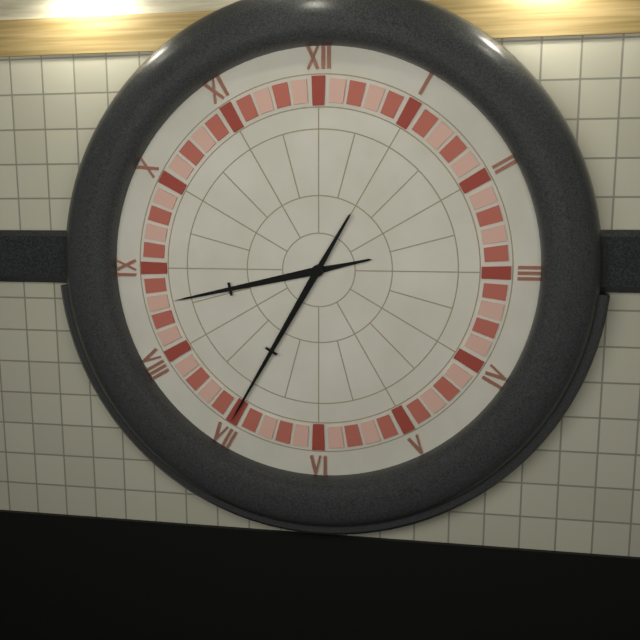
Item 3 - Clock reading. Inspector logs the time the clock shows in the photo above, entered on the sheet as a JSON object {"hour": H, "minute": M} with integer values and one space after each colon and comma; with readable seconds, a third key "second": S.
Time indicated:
{"hour": 8, "minute": 35}
